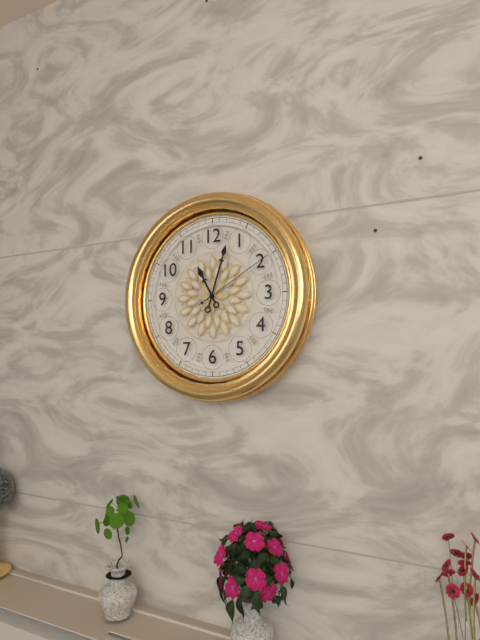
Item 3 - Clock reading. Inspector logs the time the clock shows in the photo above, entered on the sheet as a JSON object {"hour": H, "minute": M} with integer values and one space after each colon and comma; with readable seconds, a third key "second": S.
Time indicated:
{"hour": 11, "minute": 3, "second": 10}
